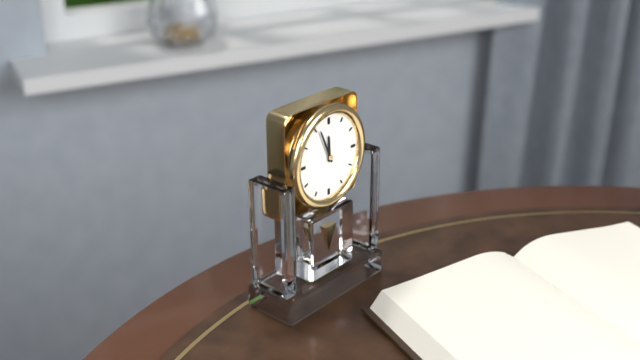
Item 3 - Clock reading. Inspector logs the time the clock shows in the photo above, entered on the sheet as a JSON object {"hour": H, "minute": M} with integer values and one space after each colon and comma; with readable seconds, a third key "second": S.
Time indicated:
{"hour": 11, "minute": 56}
